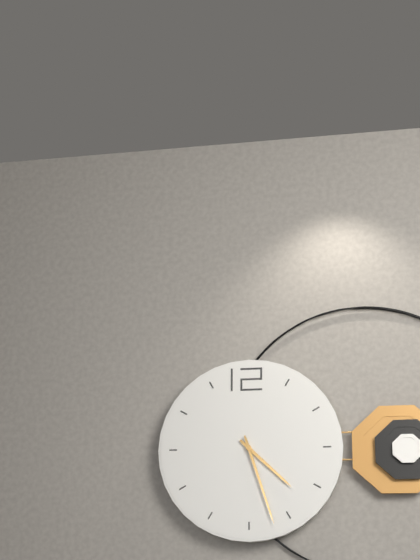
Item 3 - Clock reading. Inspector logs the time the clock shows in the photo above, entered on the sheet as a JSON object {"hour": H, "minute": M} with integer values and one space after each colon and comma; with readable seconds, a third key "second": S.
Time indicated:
{"hour": 4, "minute": 27}
